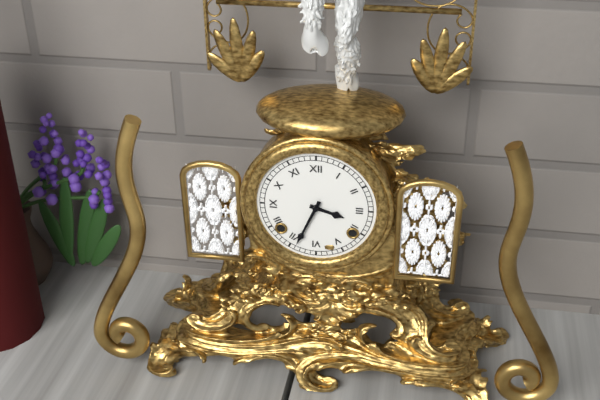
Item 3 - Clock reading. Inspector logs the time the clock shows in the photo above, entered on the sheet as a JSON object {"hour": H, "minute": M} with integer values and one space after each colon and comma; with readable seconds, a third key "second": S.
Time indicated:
{"hour": 3, "minute": 34}
